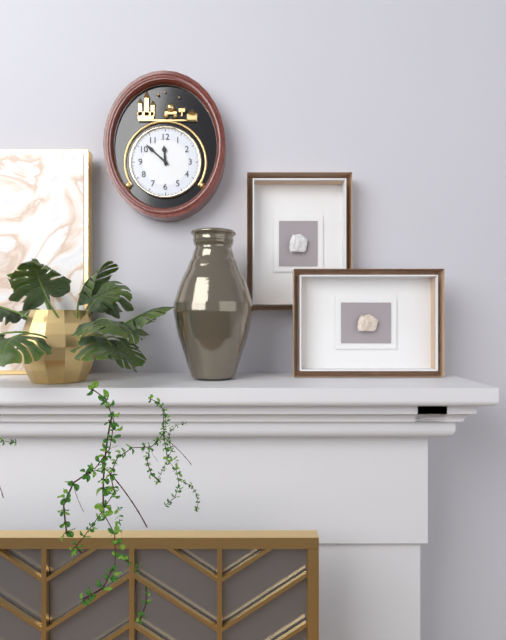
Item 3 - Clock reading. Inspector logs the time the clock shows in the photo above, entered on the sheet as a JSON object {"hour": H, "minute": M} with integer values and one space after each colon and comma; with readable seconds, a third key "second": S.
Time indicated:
{"hour": 11, "minute": 52}
